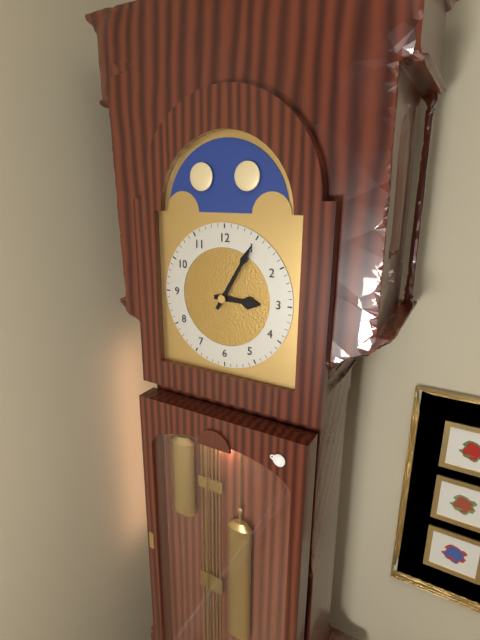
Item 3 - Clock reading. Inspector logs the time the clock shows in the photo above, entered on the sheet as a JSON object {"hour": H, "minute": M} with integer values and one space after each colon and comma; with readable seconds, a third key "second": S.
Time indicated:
{"hour": 3, "minute": 5}
